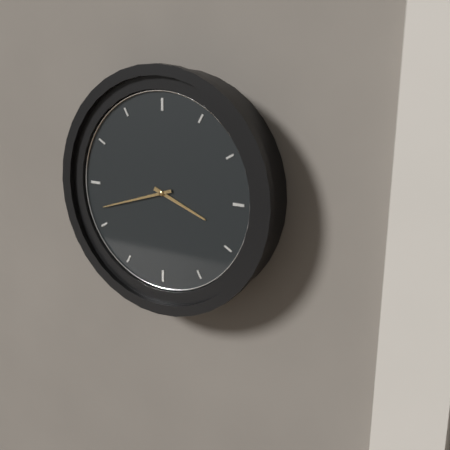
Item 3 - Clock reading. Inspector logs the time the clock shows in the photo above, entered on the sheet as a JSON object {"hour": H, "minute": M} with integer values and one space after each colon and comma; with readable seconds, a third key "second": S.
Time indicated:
{"hour": 3, "minute": 42}
